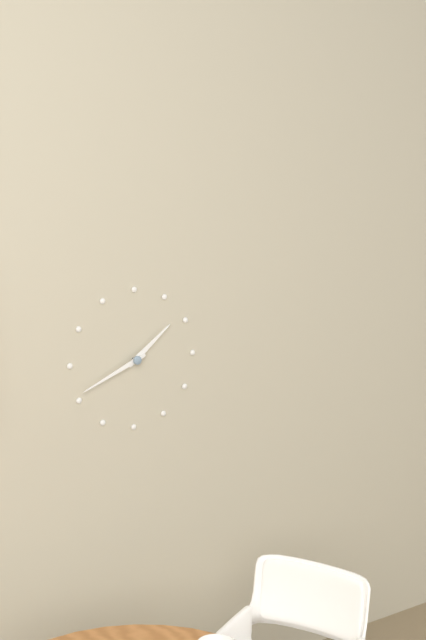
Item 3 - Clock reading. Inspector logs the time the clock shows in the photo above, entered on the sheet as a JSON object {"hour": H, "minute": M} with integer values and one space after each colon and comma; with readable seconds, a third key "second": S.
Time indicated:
{"hour": 1, "minute": 41}
